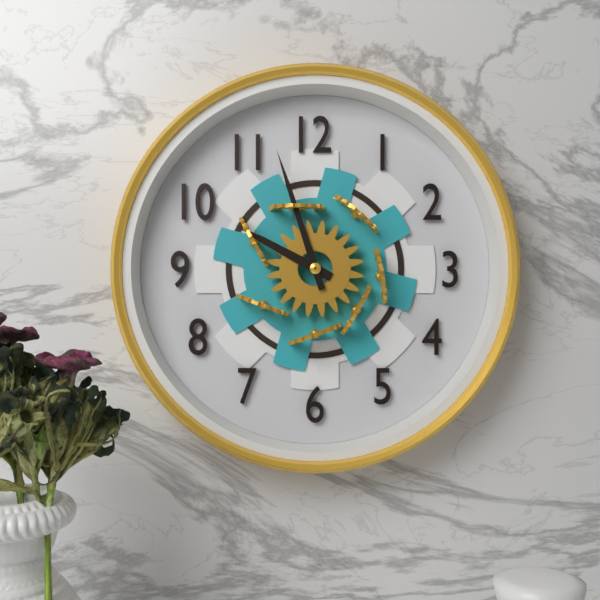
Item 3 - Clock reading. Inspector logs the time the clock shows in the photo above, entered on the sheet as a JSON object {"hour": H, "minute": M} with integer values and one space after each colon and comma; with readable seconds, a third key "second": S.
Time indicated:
{"hour": 9, "minute": 57}
